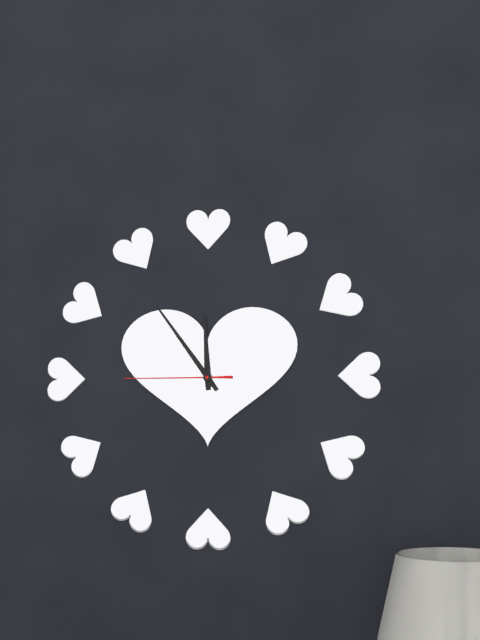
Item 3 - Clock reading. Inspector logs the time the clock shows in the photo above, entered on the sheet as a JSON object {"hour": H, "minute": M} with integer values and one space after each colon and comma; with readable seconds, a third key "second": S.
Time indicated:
{"hour": 11, "minute": 54, "second": 45}
